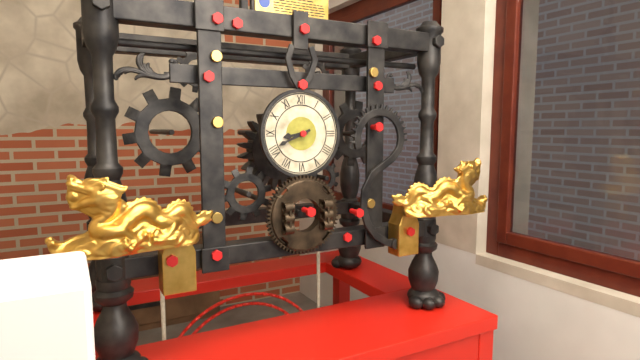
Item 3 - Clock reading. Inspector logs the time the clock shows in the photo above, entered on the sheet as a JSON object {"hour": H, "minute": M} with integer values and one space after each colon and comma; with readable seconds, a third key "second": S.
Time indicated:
{"hour": 8, "minute": 41}
